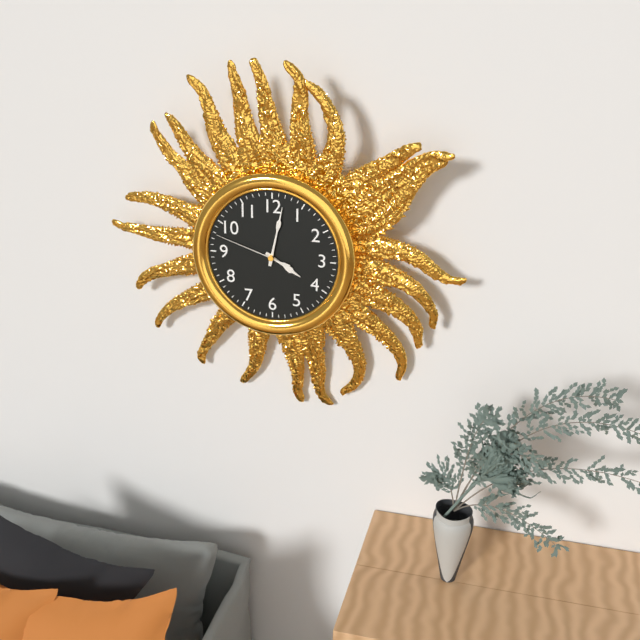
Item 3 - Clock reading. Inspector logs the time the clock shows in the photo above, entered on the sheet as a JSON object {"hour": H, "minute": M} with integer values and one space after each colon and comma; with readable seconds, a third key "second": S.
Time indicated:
{"hour": 4, "minute": 2, "second": 48}
